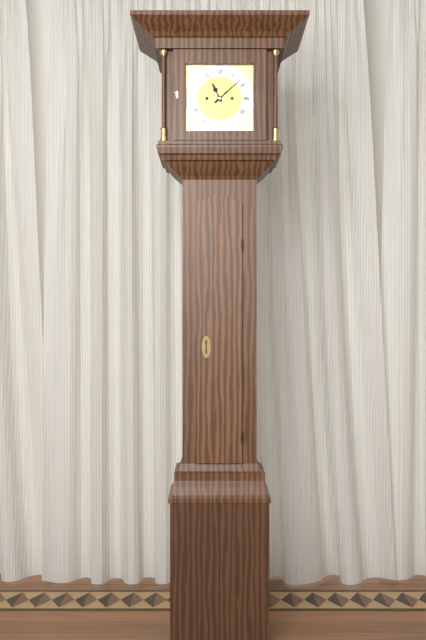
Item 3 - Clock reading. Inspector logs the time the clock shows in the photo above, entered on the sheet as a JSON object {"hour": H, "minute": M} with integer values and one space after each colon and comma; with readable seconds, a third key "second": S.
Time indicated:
{"hour": 11, "minute": 8}
